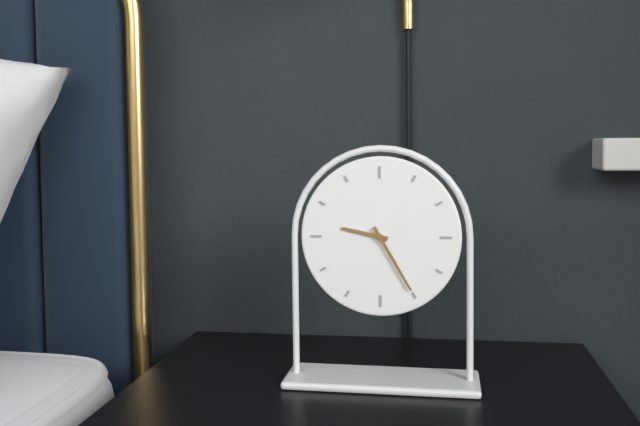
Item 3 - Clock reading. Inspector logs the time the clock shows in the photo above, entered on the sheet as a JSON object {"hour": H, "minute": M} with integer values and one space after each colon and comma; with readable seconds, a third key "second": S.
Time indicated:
{"hour": 9, "minute": 25}
